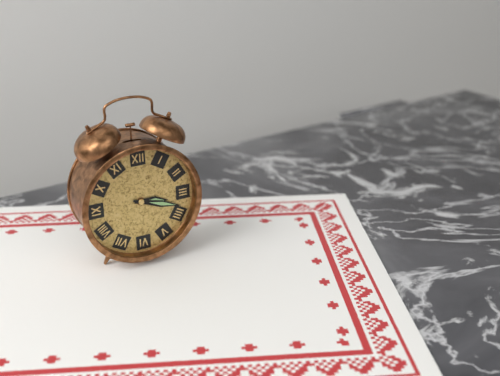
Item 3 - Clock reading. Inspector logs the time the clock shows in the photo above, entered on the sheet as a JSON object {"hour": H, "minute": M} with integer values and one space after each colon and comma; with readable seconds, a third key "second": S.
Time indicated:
{"hour": 3, "minute": 18}
